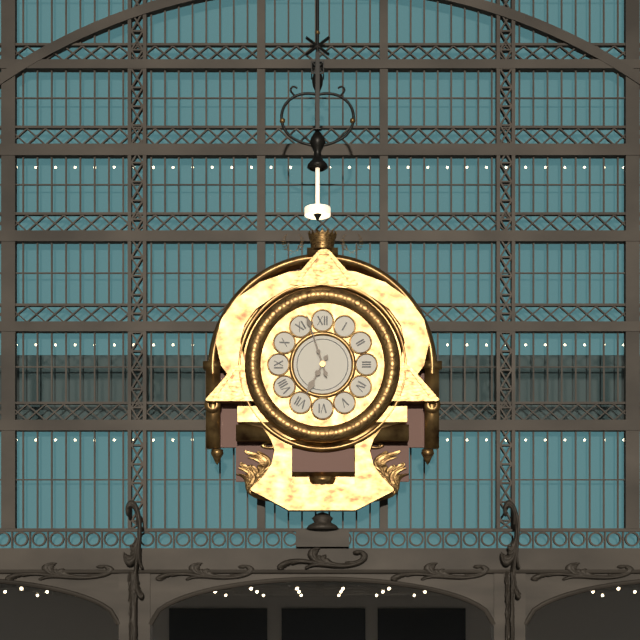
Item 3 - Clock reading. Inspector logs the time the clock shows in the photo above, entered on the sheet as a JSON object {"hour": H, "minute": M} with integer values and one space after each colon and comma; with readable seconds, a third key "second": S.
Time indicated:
{"hour": 6, "minute": 57}
